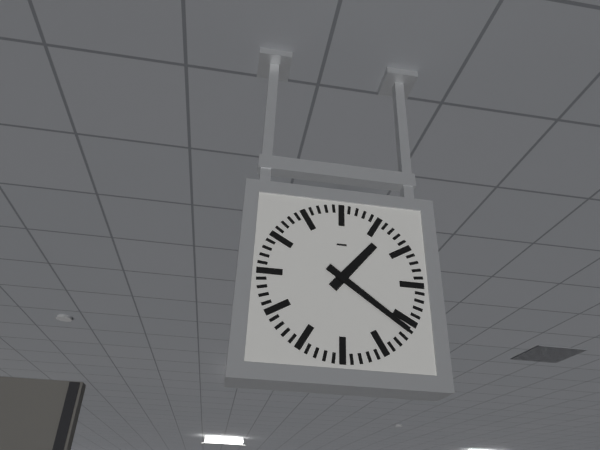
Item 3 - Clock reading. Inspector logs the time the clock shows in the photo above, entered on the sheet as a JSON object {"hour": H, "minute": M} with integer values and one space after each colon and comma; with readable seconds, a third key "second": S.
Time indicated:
{"hour": 1, "minute": 21}
